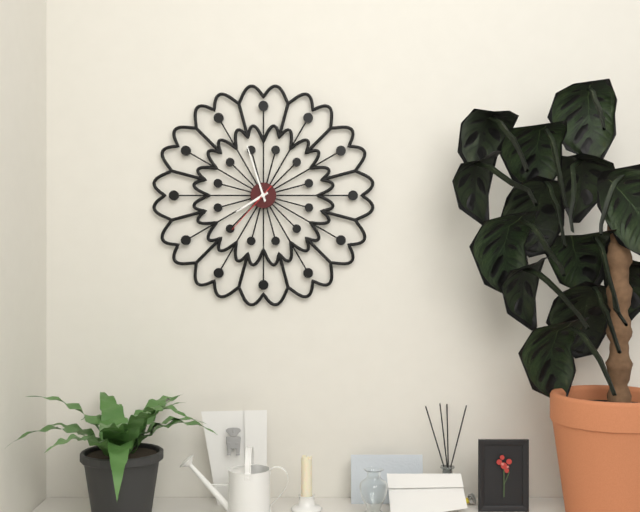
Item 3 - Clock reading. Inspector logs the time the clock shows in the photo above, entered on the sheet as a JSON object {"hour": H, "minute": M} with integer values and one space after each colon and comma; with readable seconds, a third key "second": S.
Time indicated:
{"hour": 7, "minute": 57, "second": 37}
